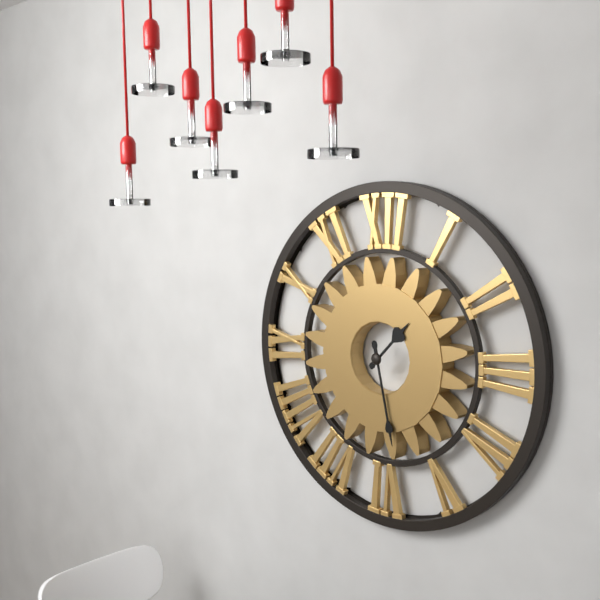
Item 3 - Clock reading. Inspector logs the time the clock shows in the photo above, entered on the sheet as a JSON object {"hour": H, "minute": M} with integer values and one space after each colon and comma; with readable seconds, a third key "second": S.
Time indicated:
{"hour": 1, "minute": 28}
